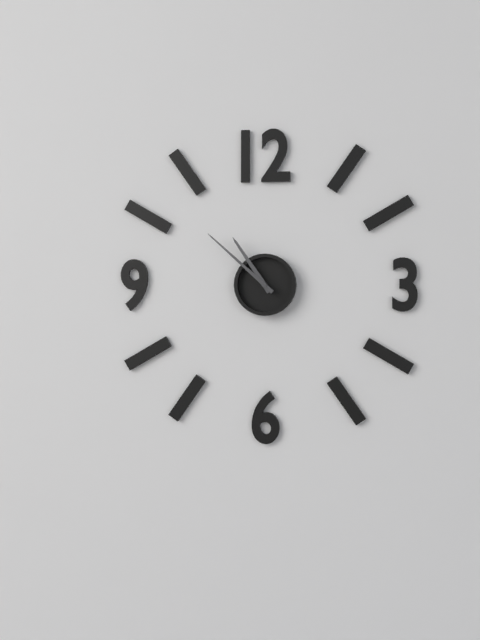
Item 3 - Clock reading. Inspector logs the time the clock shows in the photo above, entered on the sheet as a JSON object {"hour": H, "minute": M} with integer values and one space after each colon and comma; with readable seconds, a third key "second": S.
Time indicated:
{"hour": 10, "minute": 52}
